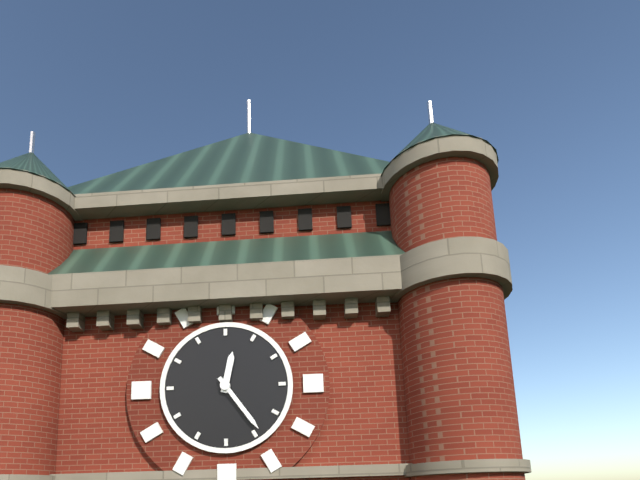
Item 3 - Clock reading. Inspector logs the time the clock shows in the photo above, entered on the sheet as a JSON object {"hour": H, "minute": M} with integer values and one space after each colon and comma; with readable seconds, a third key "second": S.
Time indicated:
{"hour": 12, "minute": 24}
